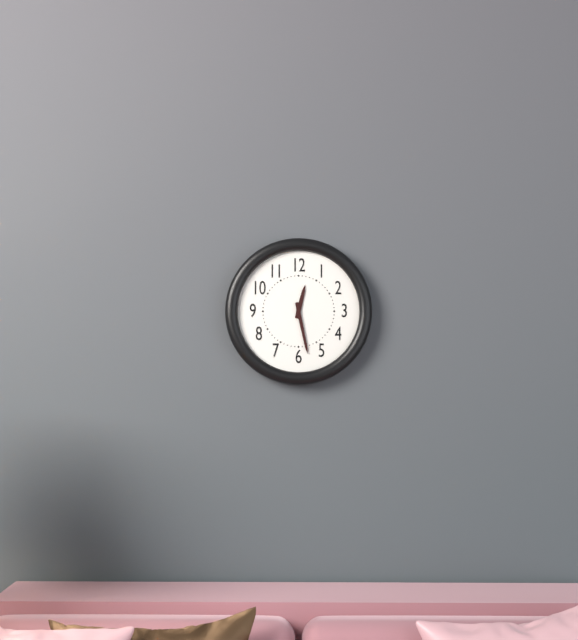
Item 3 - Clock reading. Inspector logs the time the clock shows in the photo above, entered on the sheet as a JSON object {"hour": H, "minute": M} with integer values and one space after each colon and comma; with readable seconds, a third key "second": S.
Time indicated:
{"hour": 12, "minute": 28}
